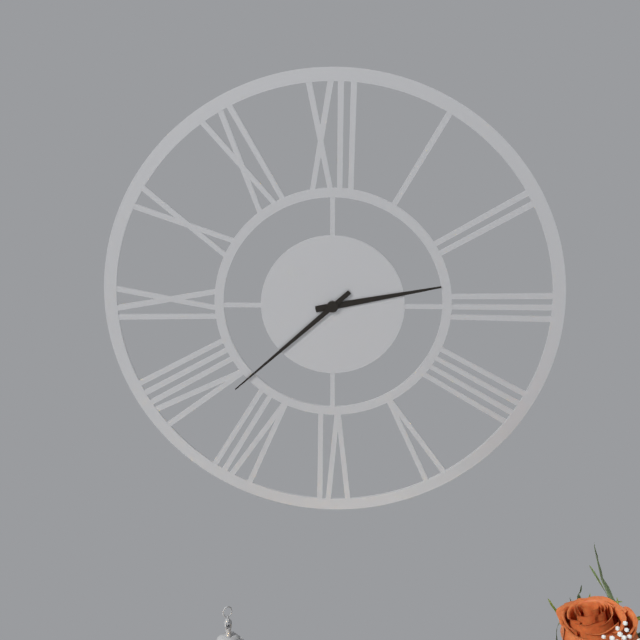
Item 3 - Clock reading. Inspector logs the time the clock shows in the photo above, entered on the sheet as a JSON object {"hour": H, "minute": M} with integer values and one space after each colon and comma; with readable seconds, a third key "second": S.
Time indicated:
{"hour": 2, "minute": 38}
